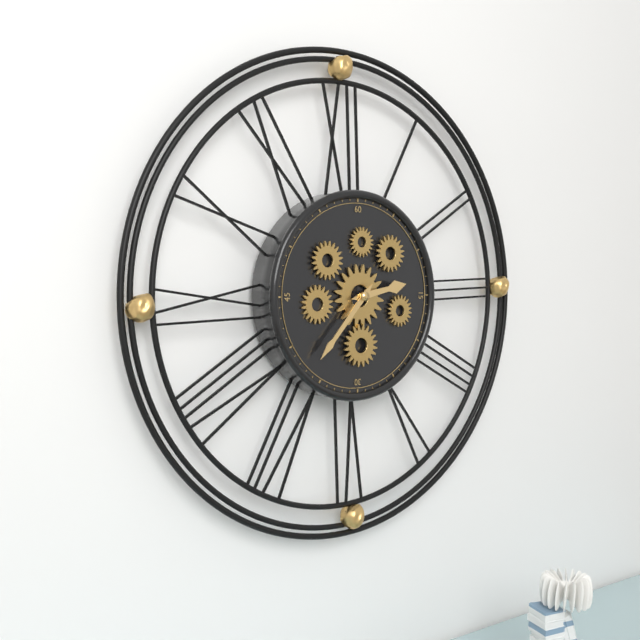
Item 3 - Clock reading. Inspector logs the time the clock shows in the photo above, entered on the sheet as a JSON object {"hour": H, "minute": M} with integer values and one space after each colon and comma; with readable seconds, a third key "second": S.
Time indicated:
{"hour": 2, "minute": 37}
